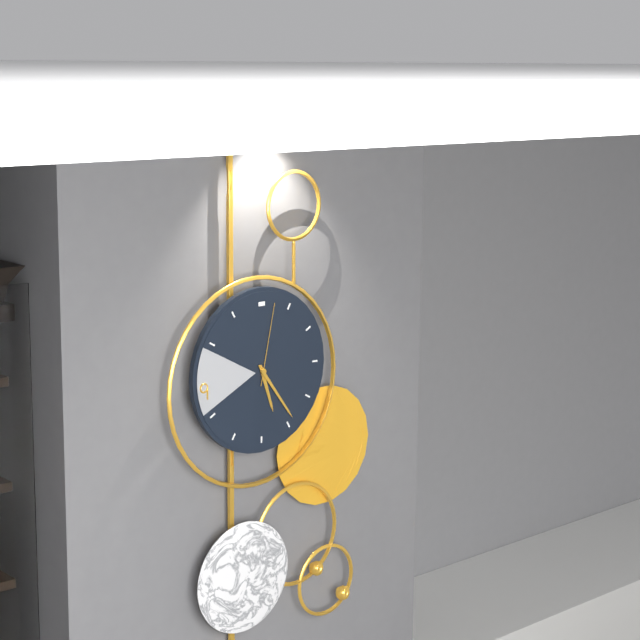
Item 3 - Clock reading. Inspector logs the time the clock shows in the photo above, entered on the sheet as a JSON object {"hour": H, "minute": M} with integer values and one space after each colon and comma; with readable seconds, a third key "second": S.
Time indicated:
{"hour": 5, "minute": 24, "second": 2}
